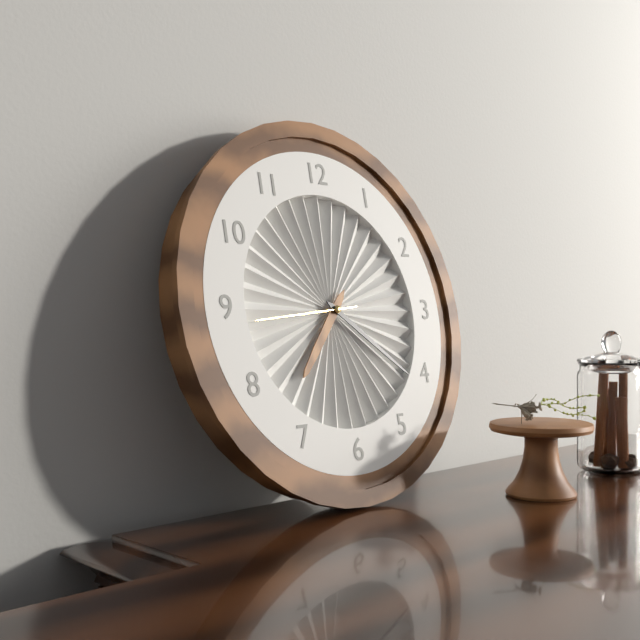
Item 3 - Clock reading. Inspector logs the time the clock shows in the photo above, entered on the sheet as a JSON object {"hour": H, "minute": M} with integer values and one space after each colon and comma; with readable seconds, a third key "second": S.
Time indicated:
{"hour": 7, "minute": 21, "second": 44}
